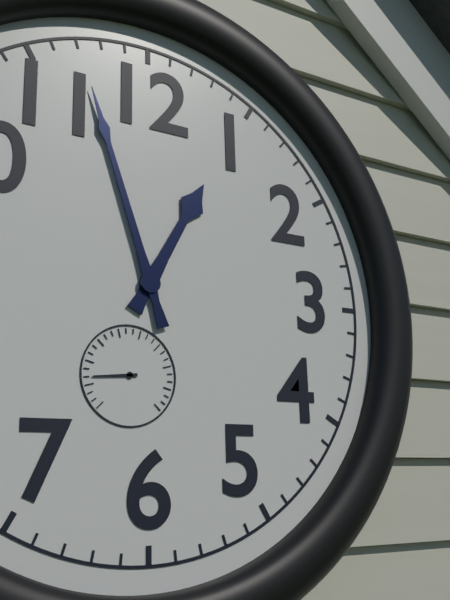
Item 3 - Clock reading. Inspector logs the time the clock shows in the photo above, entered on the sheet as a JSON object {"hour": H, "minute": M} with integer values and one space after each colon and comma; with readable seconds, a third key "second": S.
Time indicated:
{"hour": 12, "minute": 57}
